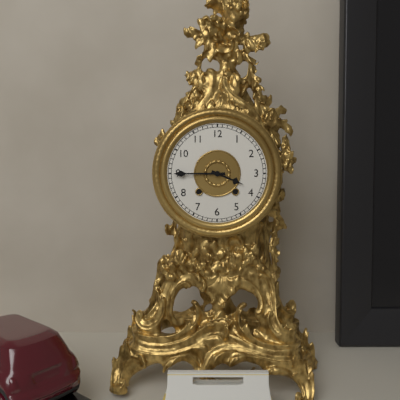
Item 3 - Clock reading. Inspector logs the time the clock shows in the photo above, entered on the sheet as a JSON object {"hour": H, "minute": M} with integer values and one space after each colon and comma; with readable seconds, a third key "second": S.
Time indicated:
{"hour": 3, "minute": 45}
